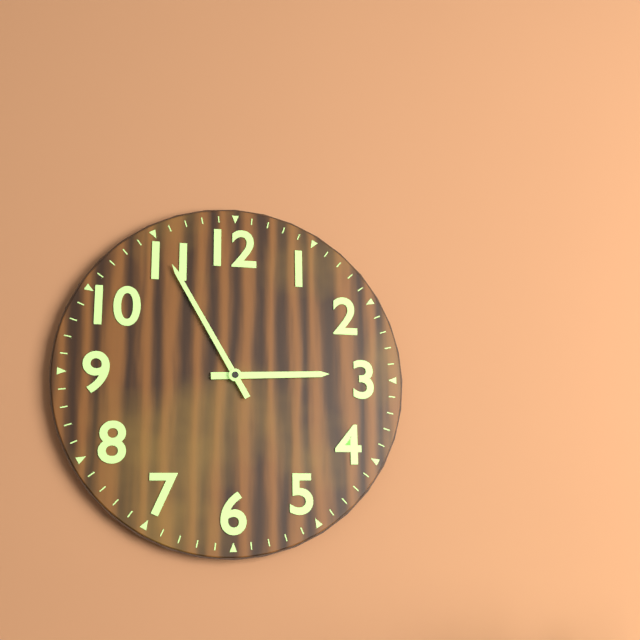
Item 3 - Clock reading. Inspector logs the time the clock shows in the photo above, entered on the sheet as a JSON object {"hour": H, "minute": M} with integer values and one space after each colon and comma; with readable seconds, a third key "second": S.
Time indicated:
{"hour": 2, "minute": 55}
